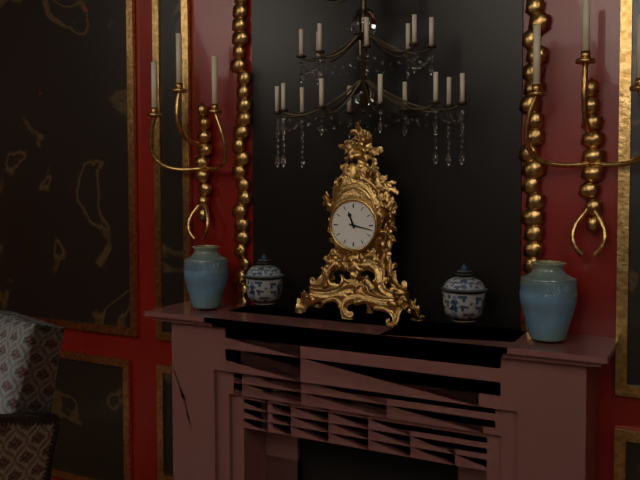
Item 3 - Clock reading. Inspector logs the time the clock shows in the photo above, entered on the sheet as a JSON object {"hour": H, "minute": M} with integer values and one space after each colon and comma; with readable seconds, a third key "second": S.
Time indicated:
{"hour": 11, "minute": 17}
